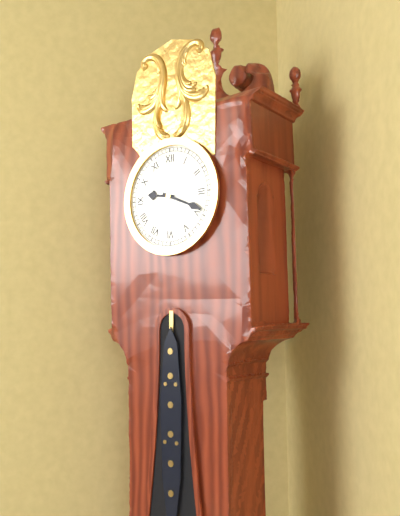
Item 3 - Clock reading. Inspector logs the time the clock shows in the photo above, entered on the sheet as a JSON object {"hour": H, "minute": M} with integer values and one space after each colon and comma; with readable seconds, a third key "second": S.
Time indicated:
{"hour": 9, "minute": 19}
